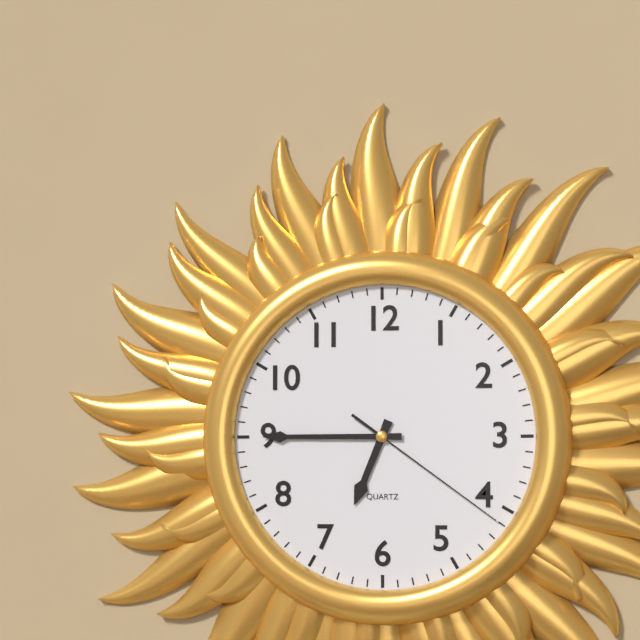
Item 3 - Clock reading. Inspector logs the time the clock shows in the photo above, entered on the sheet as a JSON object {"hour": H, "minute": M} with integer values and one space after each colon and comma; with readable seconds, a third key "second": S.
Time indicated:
{"hour": 6, "minute": 45, "second": 21}
